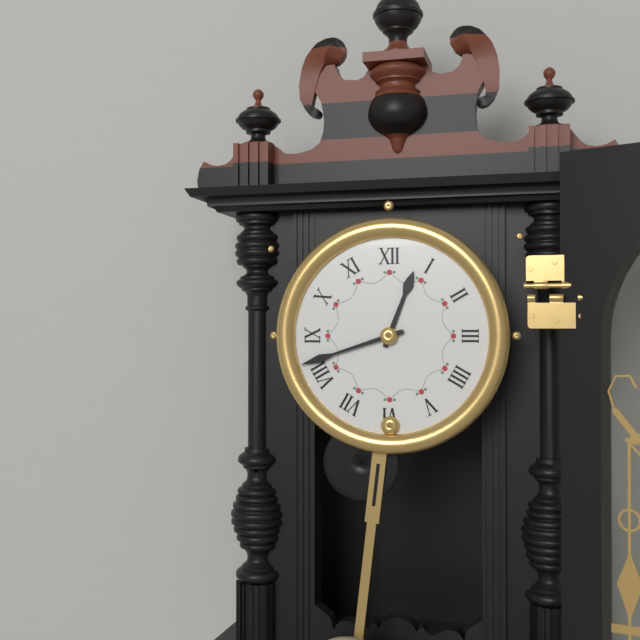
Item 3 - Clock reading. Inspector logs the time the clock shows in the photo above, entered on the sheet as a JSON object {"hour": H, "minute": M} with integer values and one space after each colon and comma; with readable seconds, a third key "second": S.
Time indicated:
{"hour": 12, "minute": 42}
